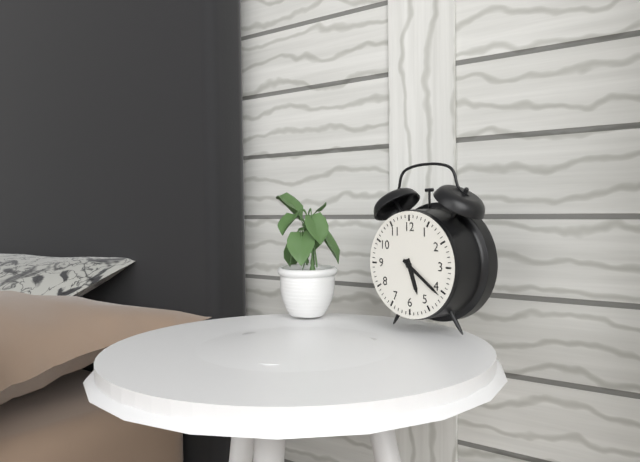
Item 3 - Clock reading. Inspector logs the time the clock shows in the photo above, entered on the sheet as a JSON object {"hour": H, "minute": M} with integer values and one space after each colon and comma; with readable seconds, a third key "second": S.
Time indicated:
{"hour": 5, "minute": 21}
